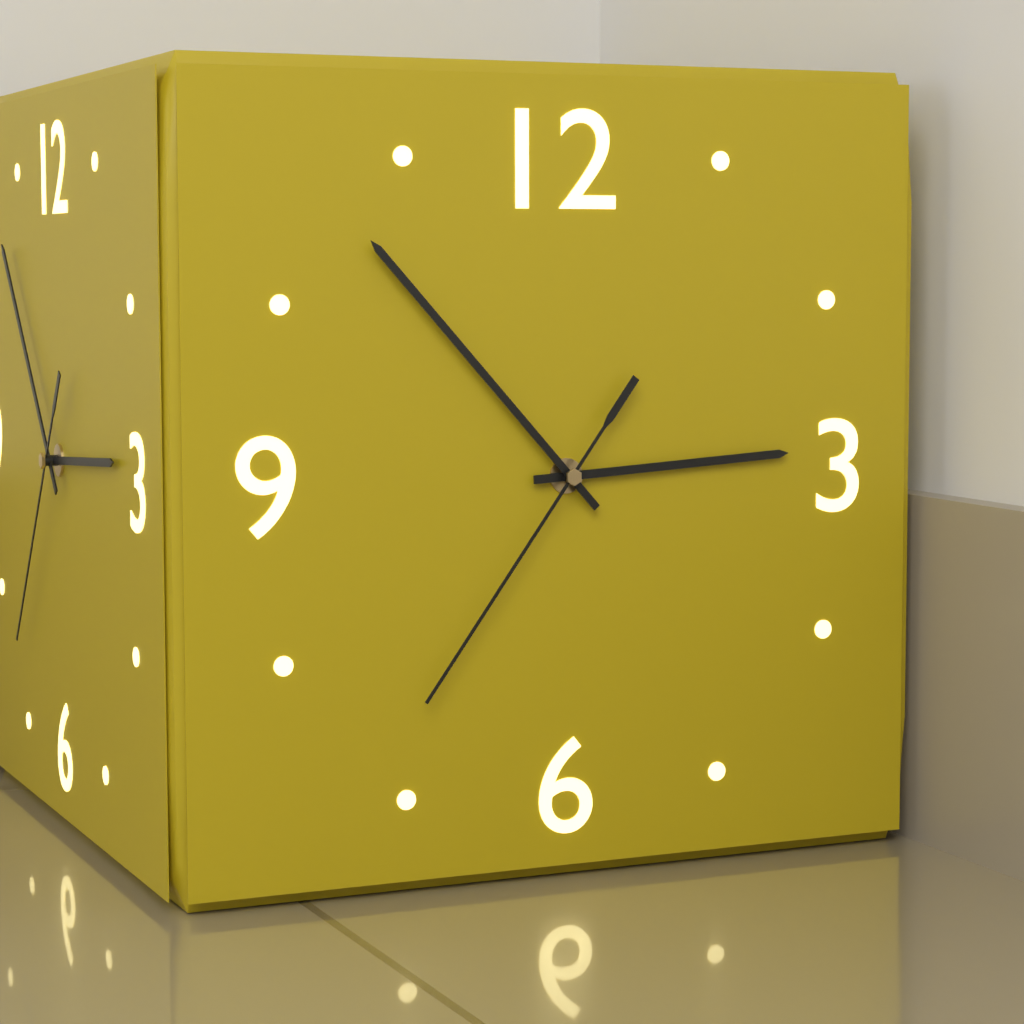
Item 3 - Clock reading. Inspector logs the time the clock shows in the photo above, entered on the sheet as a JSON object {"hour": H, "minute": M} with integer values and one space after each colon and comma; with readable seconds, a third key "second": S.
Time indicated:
{"hour": 2, "minute": 53, "second": 36}
